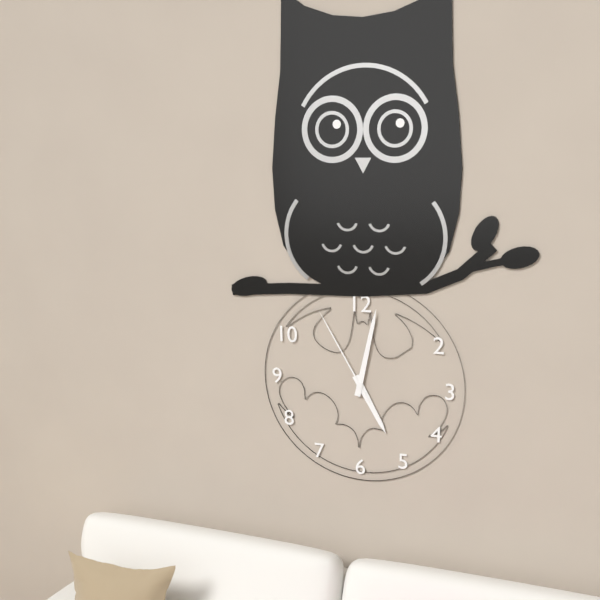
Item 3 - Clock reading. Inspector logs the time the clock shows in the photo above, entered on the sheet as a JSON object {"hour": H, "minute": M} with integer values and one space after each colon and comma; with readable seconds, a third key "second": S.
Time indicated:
{"hour": 5, "minute": 2, "second": 55}
